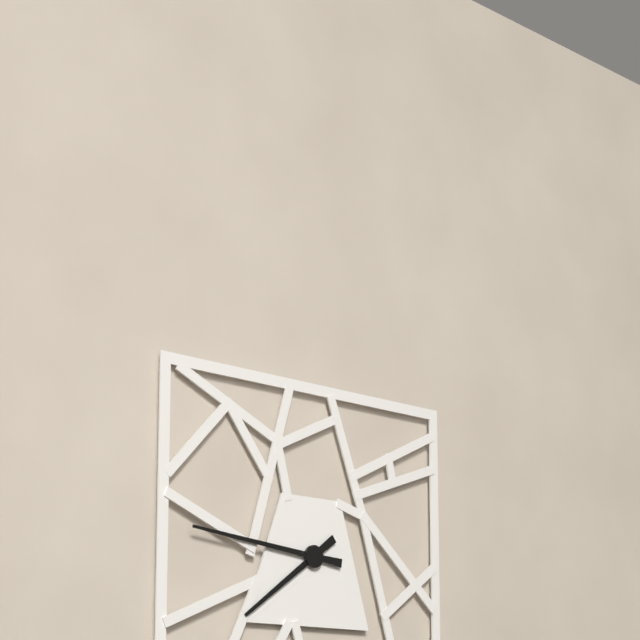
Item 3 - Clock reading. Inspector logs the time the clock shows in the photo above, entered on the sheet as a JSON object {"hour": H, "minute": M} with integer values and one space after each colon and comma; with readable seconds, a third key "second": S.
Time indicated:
{"hour": 7, "minute": 46}
